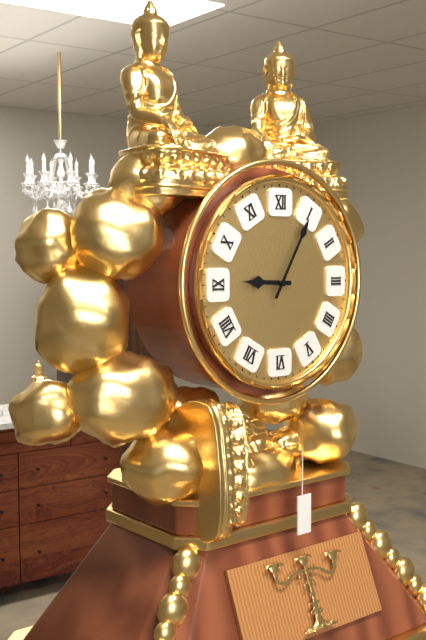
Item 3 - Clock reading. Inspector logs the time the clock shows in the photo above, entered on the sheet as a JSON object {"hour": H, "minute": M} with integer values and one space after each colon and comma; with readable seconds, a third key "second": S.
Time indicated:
{"hour": 9, "minute": 5}
